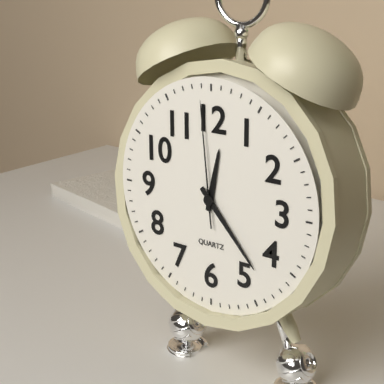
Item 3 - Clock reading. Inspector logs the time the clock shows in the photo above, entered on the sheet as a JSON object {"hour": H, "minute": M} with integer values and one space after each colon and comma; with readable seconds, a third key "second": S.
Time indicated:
{"hour": 12, "minute": 23, "second": 59}
